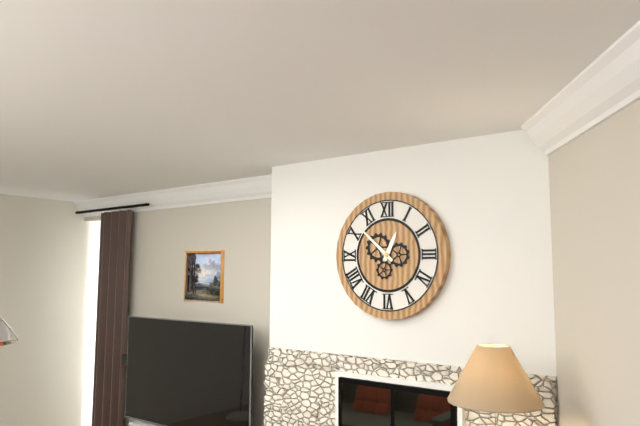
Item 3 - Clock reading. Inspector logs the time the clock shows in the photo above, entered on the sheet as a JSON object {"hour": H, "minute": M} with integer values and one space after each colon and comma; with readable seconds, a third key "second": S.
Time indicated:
{"hour": 12, "minute": 52}
